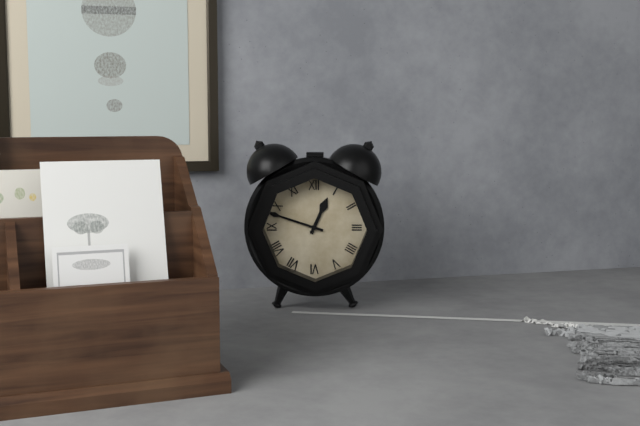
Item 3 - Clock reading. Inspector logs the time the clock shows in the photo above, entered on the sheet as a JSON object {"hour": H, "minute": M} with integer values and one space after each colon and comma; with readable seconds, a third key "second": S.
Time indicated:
{"hour": 12, "minute": 48}
